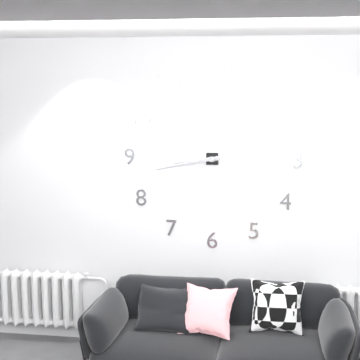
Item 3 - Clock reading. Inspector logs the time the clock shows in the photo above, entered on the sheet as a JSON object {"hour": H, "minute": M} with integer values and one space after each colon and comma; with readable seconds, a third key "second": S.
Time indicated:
{"hour": 8, "minute": 43}
